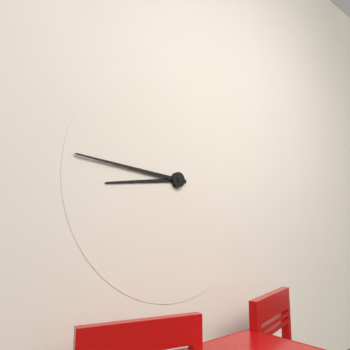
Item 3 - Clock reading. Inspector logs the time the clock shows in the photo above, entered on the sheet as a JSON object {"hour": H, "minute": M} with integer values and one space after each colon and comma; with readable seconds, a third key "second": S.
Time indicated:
{"hour": 8, "minute": 46}
